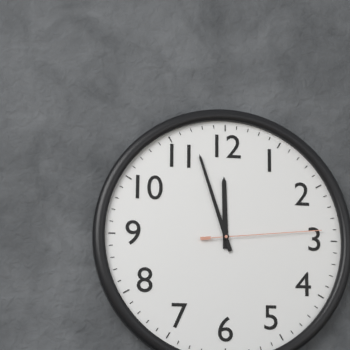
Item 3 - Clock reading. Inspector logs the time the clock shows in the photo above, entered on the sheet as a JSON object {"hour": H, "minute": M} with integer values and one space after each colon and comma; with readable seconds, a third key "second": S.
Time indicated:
{"hour": 11, "minute": 57, "second": 14}
